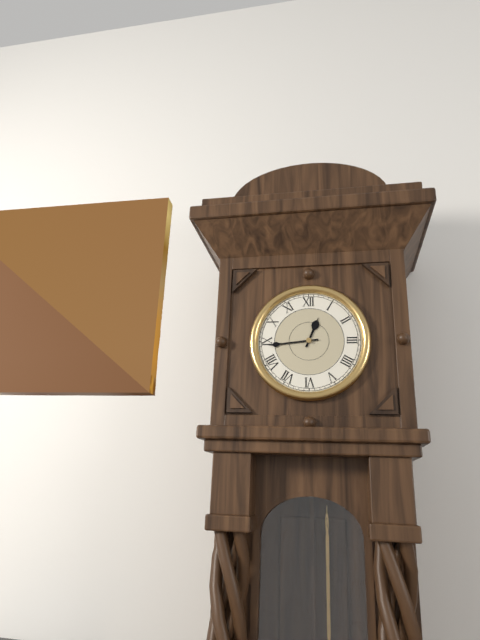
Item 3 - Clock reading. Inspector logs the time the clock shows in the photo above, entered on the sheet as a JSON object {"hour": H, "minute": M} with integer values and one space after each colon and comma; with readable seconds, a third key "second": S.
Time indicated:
{"hour": 12, "minute": 44}
